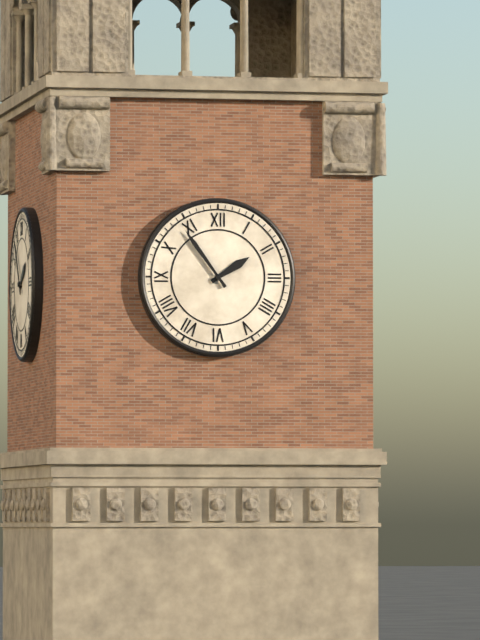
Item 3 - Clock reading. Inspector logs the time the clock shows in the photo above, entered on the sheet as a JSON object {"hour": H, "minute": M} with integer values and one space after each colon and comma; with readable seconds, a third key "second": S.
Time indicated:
{"hour": 1, "minute": 54}
